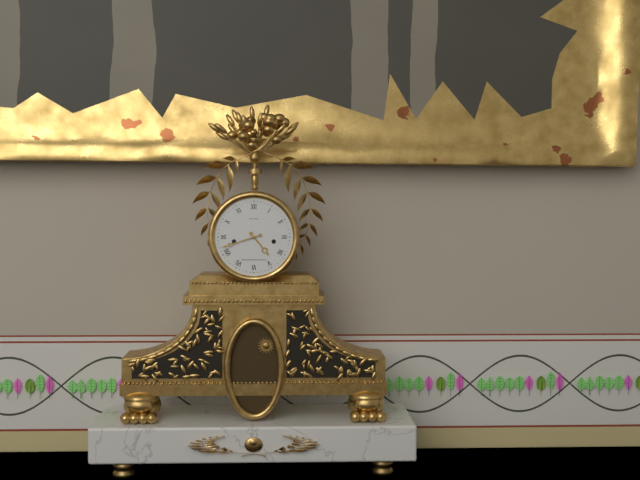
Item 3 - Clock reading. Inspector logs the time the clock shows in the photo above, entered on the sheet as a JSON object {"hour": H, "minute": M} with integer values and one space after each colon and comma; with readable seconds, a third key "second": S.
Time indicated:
{"hour": 4, "minute": 42}
